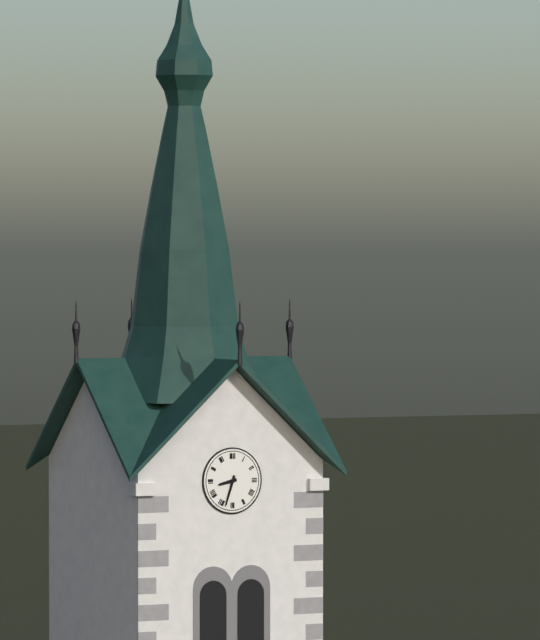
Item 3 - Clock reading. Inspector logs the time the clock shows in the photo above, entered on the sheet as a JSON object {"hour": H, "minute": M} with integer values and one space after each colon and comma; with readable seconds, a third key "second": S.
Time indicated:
{"hour": 8, "minute": 33}
